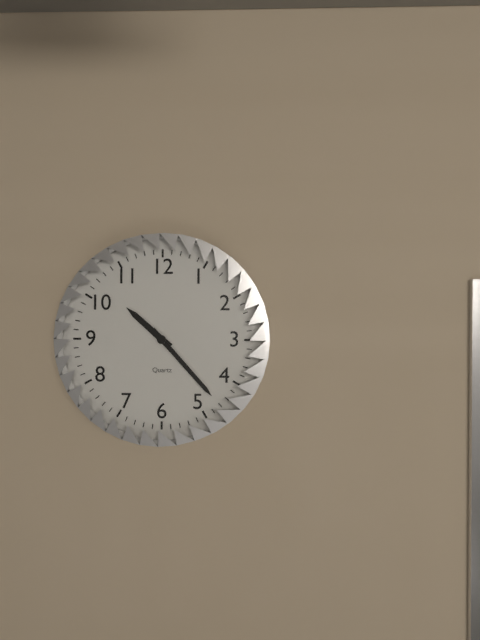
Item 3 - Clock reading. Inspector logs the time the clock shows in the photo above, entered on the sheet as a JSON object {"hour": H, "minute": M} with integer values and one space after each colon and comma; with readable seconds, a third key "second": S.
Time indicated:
{"hour": 10, "minute": 23}
